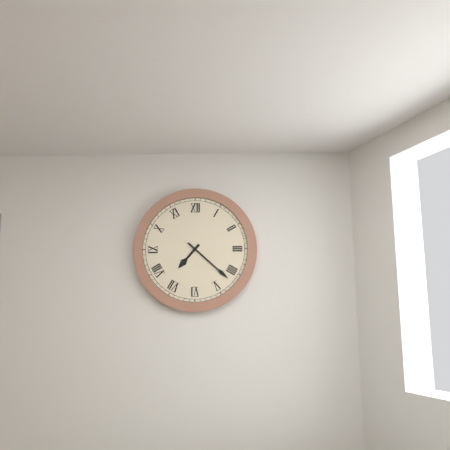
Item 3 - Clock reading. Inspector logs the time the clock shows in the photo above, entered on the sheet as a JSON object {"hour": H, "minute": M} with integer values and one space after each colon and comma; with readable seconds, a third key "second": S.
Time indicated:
{"hour": 7, "minute": 22}
